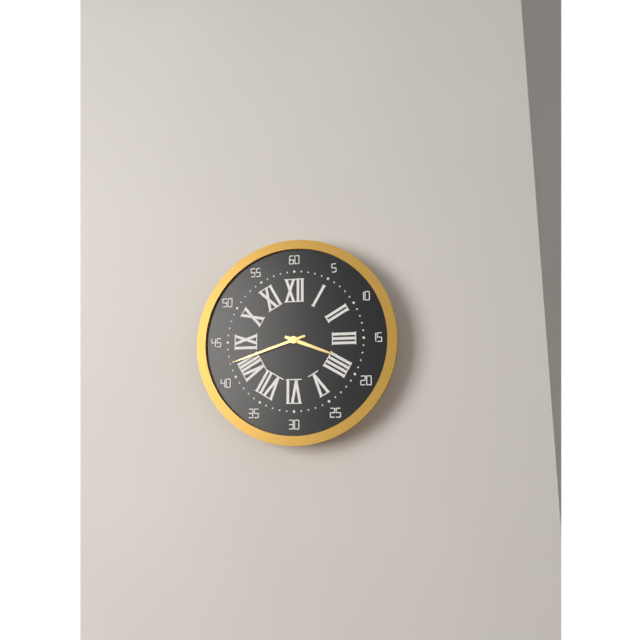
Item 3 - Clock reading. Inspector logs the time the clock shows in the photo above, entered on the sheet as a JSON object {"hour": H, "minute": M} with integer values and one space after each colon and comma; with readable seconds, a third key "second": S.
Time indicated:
{"hour": 3, "minute": 42}
